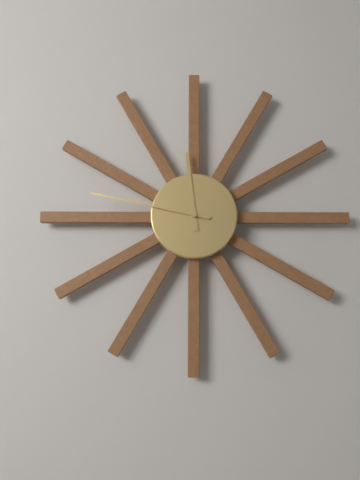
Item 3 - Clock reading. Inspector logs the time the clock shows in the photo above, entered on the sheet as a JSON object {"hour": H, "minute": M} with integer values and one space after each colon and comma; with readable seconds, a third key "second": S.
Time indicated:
{"hour": 11, "minute": 47}
